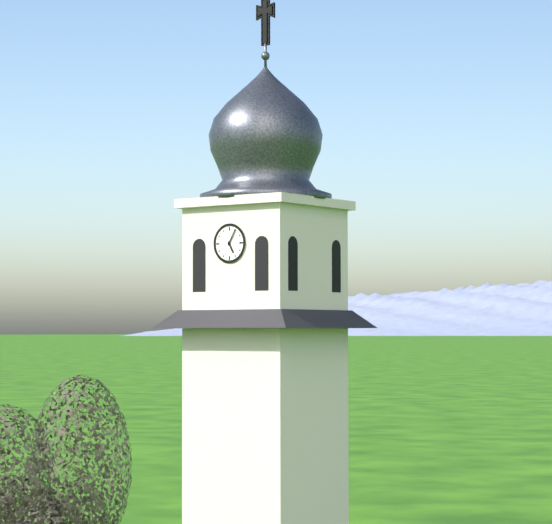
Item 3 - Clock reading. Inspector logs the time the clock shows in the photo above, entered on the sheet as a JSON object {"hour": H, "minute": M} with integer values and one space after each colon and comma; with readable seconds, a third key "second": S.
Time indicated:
{"hour": 5, "minute": 5}
